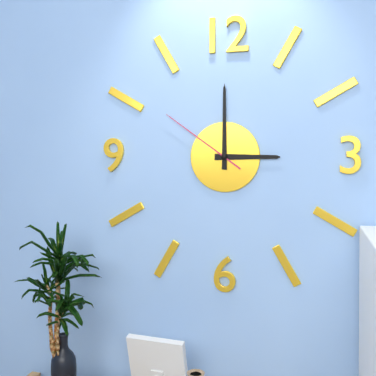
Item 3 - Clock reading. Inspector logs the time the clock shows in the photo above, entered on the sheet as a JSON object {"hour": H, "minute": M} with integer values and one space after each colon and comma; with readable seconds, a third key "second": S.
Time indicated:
{"hour": 3, "minute": 0, "second": 51}
